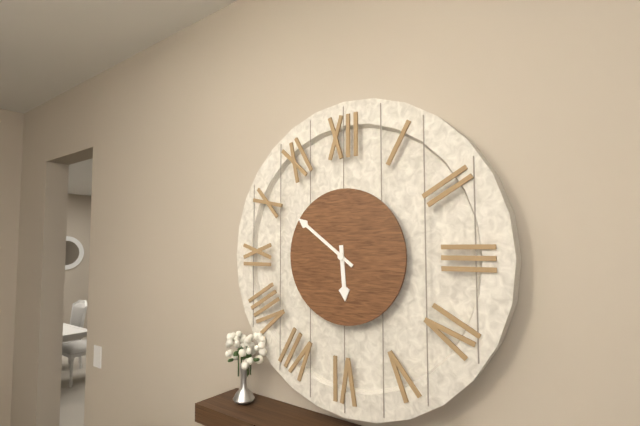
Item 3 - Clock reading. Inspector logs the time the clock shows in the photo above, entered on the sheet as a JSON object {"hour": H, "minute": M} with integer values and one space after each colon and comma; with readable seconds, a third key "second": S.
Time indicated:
{"hour": 5, "minute": 51}
